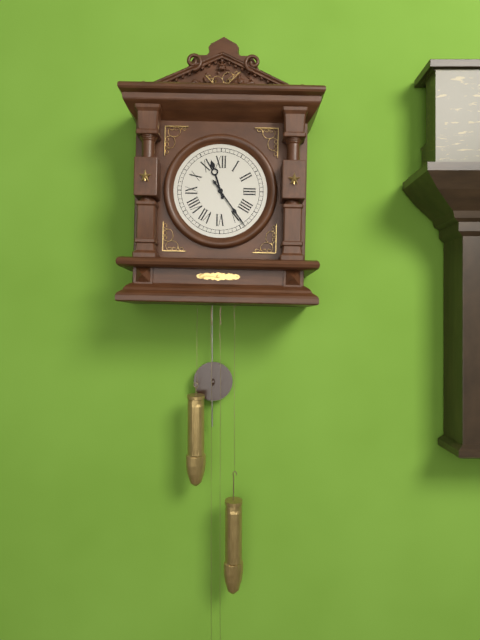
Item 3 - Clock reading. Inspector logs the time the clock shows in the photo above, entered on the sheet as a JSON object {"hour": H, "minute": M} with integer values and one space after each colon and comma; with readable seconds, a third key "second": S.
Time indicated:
{"hour": 11, "minute": 24}
